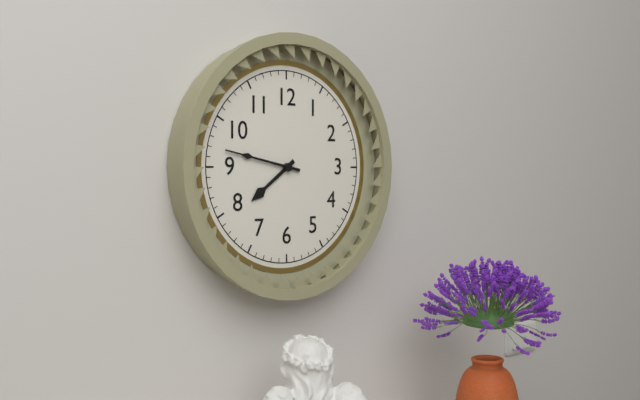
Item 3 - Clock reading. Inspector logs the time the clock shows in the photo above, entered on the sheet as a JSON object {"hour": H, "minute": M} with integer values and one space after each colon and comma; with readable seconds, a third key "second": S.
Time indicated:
{"hour": 7, "minute": 47}
